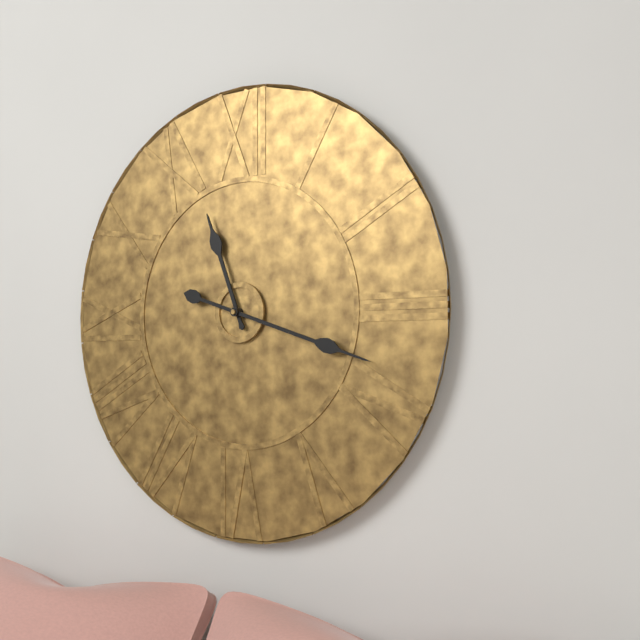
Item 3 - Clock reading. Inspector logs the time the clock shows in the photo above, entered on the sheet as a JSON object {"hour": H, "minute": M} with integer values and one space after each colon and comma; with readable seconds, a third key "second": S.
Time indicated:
{"hour": 11, "minute": 18}
